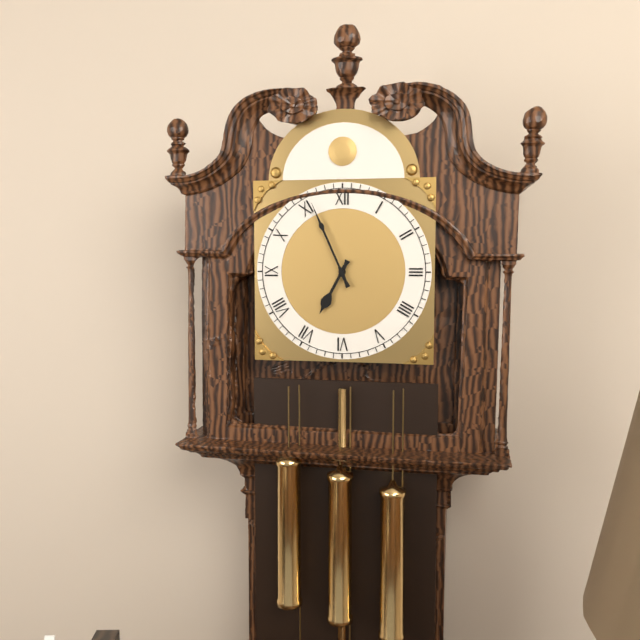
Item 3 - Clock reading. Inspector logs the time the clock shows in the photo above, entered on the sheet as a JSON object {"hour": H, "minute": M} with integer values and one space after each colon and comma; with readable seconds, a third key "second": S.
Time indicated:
{"hour": 6, "minute": 56}
